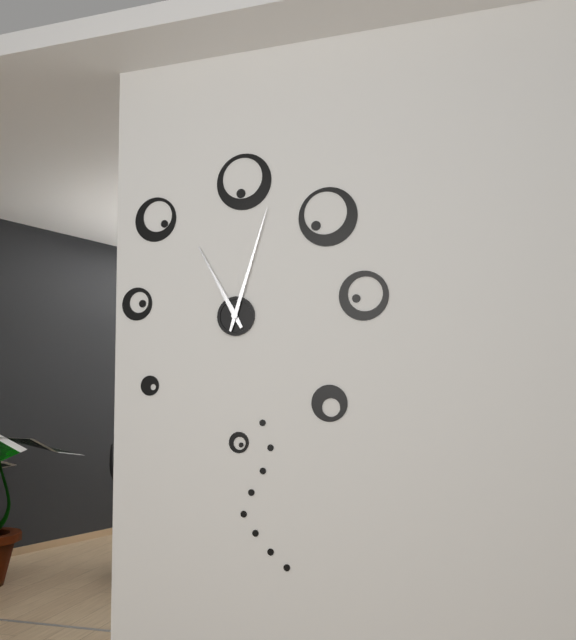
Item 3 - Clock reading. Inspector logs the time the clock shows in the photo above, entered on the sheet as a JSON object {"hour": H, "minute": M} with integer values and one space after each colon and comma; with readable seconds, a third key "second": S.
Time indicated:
{"hour": 11, "minute": 3}
